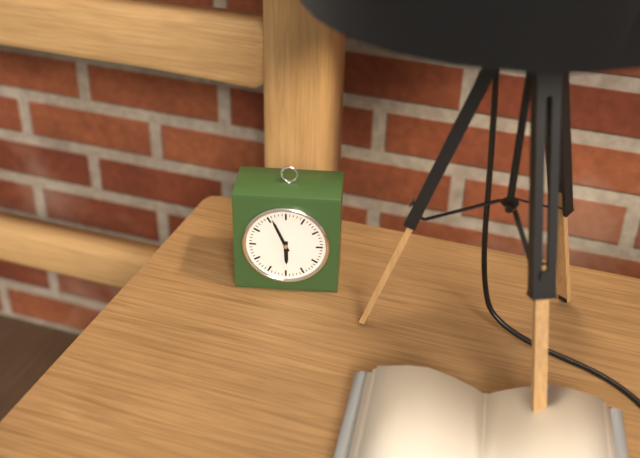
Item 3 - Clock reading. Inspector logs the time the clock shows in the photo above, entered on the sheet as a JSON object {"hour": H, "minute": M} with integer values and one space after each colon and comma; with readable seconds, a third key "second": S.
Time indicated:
{"hour": 5, "minute": 56}
